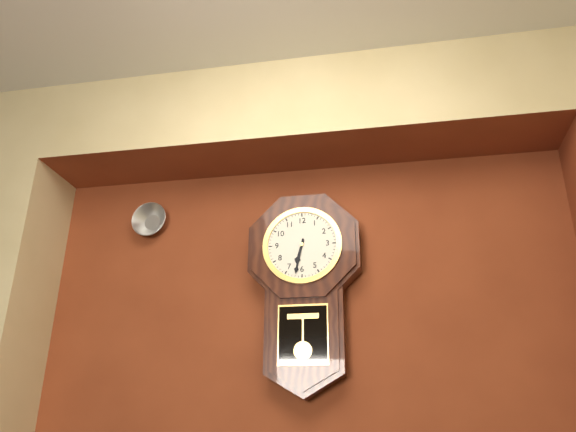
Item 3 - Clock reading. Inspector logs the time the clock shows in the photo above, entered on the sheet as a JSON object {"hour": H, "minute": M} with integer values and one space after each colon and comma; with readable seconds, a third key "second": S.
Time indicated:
{"hour": 6, "minute": 32}
